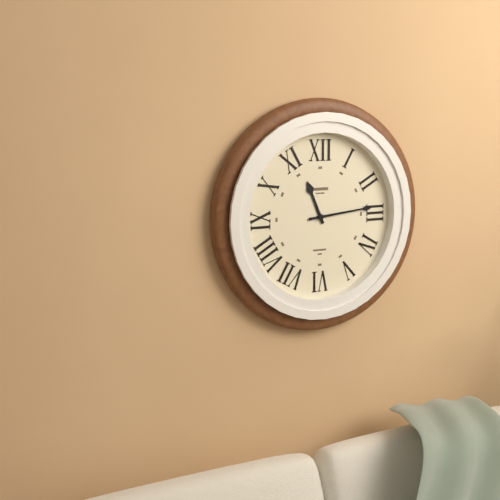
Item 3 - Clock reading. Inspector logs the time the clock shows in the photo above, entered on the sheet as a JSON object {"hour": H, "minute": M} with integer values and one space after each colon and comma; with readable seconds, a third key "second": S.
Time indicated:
{"hour": 11, "minute": 14}
